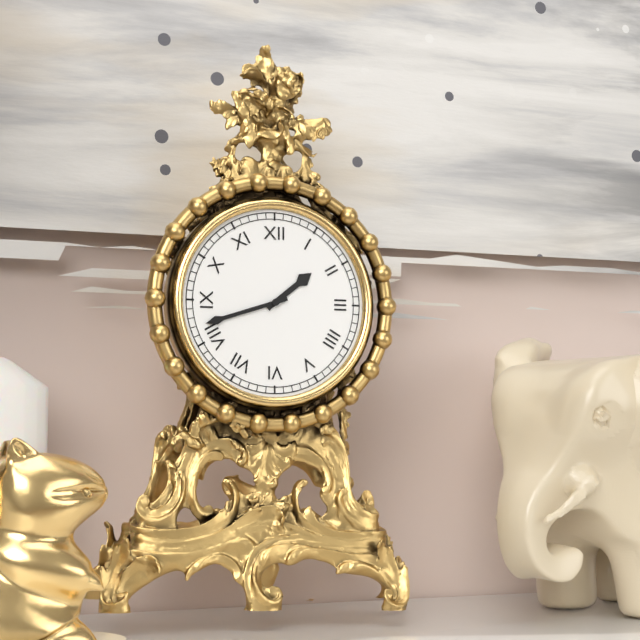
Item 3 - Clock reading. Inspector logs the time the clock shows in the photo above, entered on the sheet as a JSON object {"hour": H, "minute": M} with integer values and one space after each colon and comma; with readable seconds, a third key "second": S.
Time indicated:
{"hour": 1, "minute": 42}
